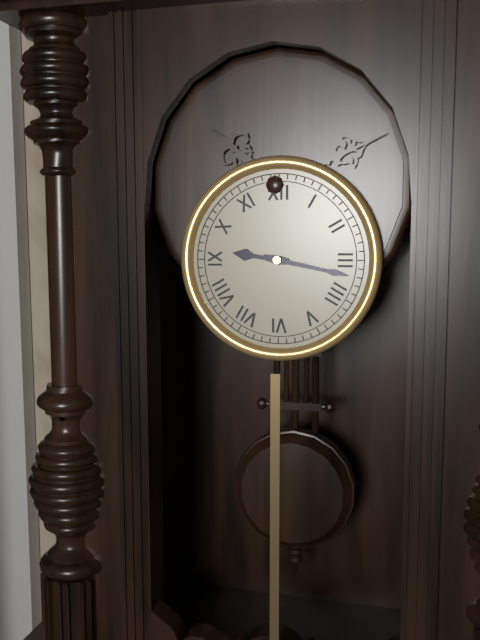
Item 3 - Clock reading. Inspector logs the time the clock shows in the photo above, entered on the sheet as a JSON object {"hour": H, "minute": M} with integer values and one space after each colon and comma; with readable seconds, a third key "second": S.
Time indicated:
{"hour": 9, "minute": 17}
